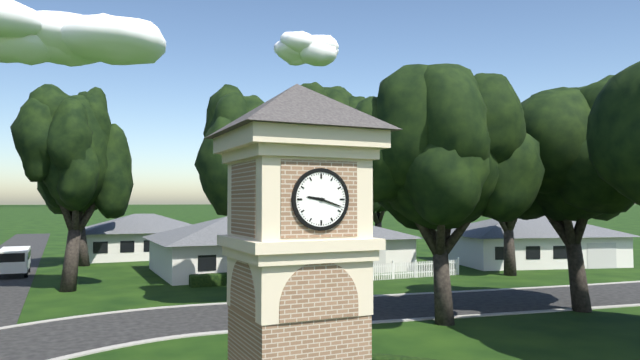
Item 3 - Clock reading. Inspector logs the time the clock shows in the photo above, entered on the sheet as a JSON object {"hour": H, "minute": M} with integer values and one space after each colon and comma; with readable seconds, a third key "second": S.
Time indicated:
{"hour": 9, "minute": 18}
